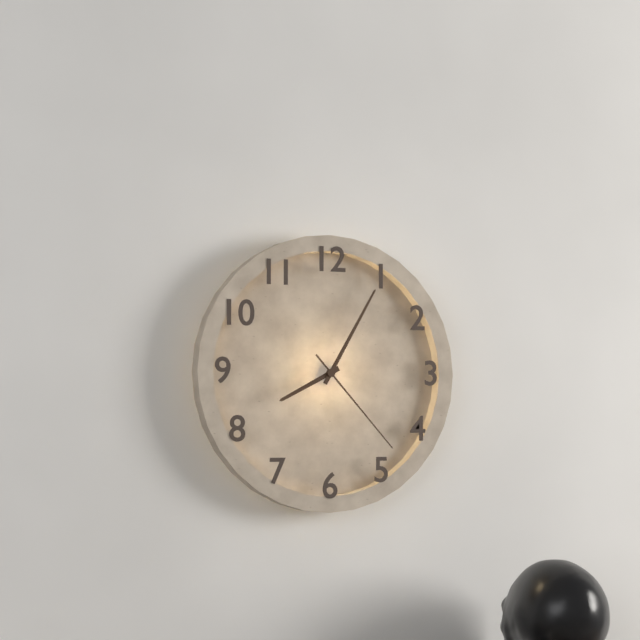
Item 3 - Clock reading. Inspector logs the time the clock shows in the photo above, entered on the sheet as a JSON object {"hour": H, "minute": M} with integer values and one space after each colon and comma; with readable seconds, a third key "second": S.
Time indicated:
{"hour": 8, "minute": 5, "second": 23}
